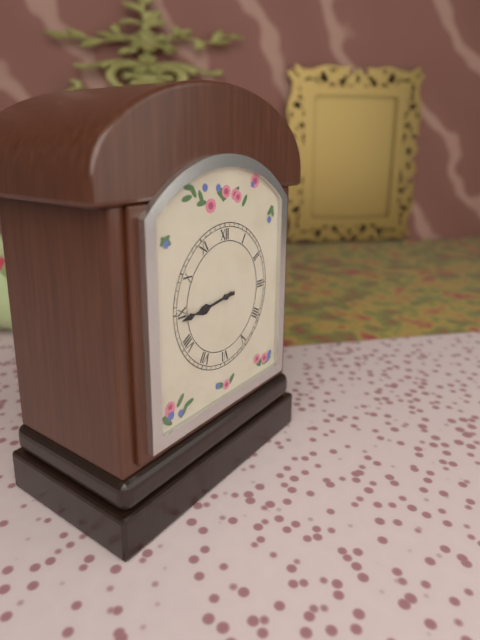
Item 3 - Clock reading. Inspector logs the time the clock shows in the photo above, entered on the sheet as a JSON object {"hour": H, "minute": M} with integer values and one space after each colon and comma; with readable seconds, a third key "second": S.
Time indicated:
{"hour": 8, "minute": 44}
